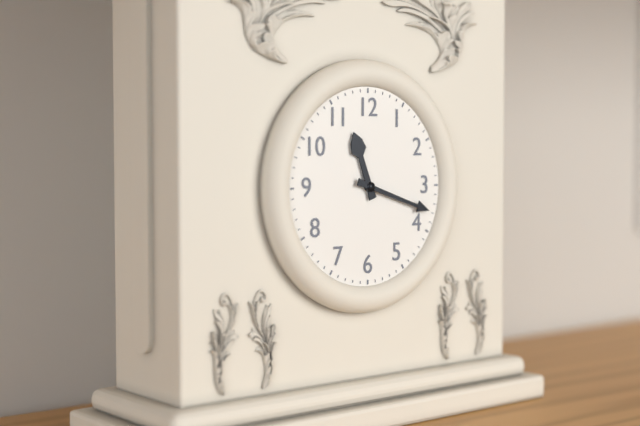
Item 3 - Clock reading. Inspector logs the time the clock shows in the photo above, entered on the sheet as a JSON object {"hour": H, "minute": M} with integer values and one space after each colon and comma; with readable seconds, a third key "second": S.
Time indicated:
{"hour": 11, "minute": 18}
